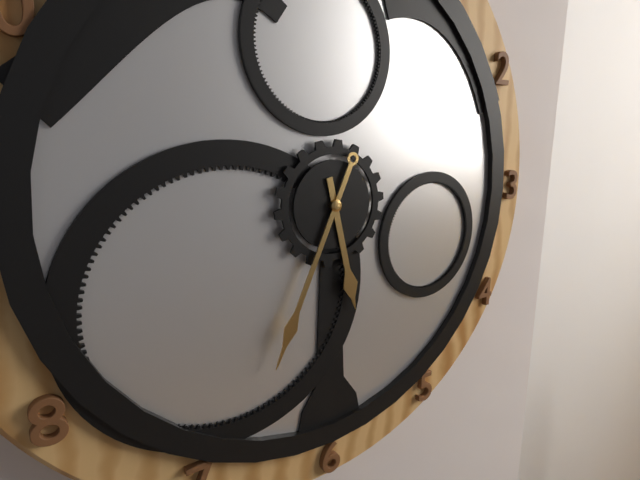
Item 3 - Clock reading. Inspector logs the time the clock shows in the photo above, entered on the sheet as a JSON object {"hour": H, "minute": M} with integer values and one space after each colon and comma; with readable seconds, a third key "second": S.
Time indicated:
{"hour": 5, "minute": 34}
